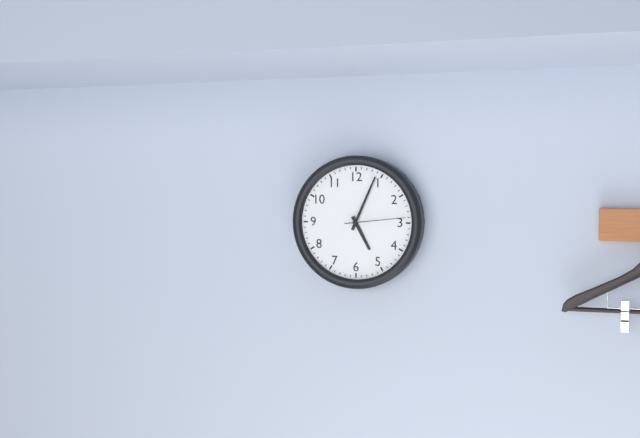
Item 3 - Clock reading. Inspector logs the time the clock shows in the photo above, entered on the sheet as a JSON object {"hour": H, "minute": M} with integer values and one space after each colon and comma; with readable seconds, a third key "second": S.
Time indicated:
{"hour": 5, "minute": 4, "second": 14}
